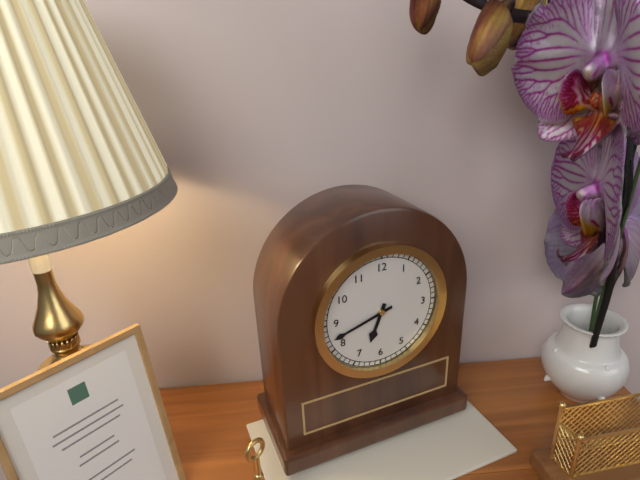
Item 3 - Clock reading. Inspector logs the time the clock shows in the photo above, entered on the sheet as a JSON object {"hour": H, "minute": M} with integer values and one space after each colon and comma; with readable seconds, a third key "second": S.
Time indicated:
{"hour": 6, "minute": 42}
